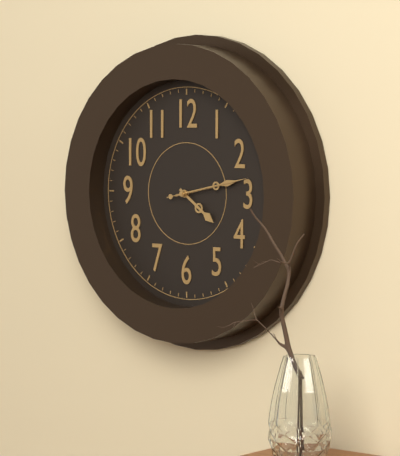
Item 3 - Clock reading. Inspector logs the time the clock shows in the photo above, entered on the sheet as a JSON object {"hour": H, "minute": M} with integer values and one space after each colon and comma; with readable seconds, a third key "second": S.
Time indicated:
{"hour": 4, "minute": 13, "second": 13}
